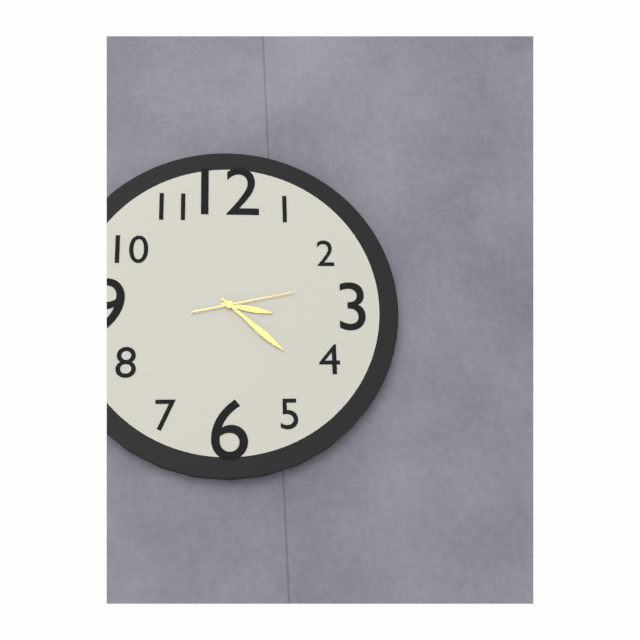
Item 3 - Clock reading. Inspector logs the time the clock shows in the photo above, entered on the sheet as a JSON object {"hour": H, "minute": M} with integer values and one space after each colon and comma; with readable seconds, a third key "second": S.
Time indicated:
{"hour": 3, "minute": 22, "second": 13}
